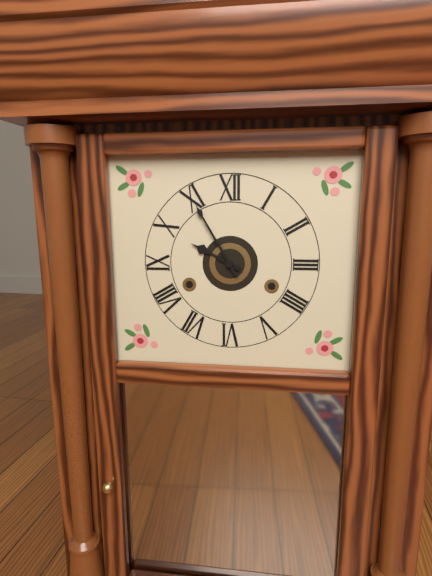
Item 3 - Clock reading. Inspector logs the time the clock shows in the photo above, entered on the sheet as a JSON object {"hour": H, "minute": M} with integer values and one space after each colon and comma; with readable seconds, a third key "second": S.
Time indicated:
{"hour": 9, "minute": 55}
